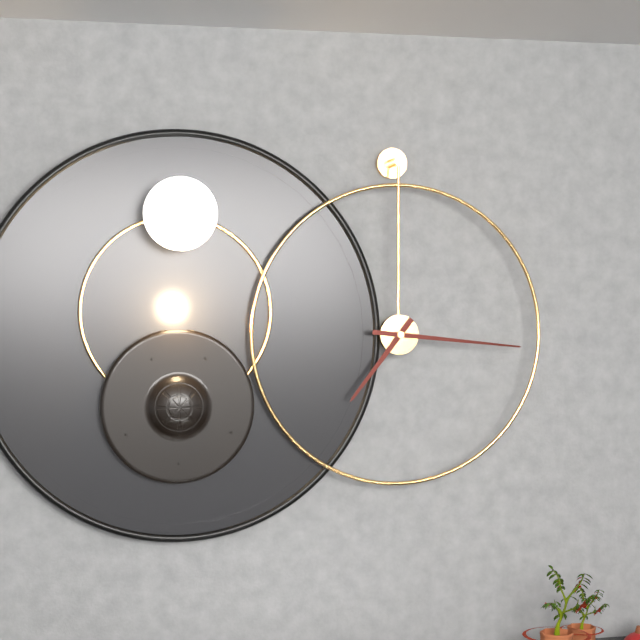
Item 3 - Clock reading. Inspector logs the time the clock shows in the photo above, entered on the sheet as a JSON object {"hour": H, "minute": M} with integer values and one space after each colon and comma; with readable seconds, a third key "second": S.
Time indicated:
{"hour": 7, "minute": 16}
